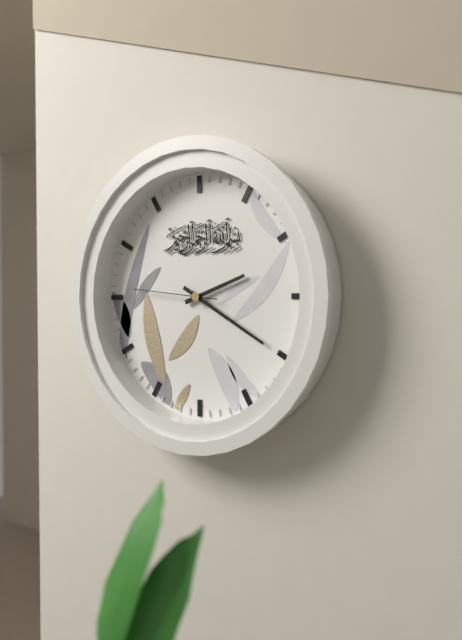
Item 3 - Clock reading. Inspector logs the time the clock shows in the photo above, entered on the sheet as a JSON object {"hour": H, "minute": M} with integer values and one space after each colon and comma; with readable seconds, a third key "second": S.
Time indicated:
{"hour": 2, "minute": 20, "second": 46}
